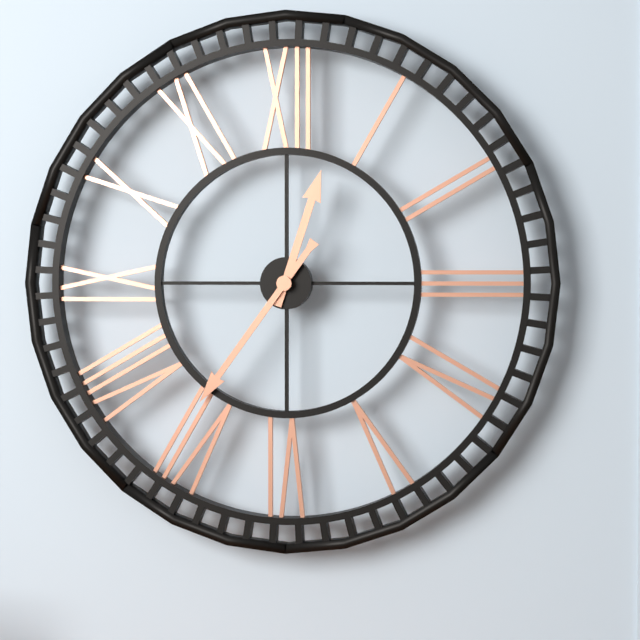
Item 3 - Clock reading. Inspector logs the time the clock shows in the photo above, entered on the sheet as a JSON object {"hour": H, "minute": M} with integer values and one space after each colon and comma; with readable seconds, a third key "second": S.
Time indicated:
{"hour": 12, "minute": 36}
